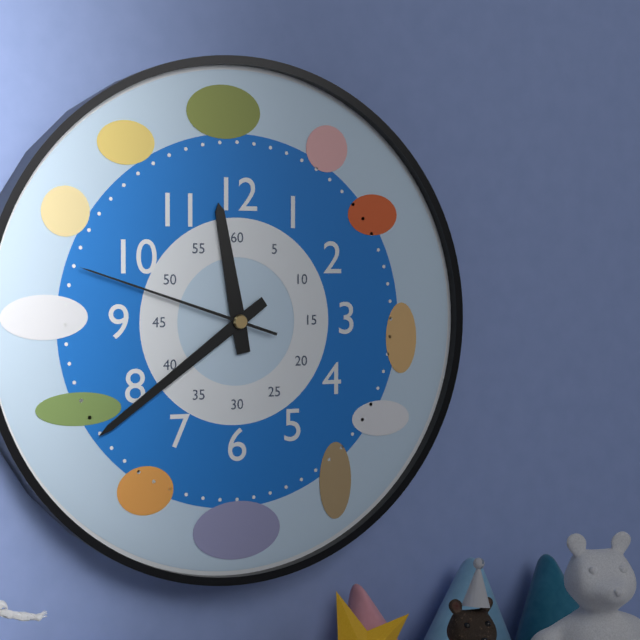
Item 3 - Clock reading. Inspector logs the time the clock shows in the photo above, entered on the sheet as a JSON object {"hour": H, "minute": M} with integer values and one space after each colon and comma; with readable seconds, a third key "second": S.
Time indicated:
{"hour": 11, "minute": 39, "second": 48}
